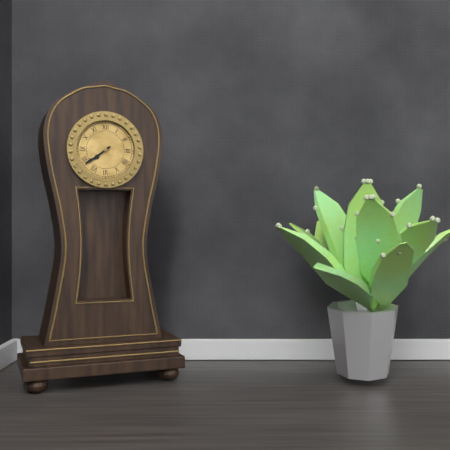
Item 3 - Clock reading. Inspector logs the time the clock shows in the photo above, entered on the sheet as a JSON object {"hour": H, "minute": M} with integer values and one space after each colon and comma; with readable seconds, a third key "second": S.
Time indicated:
{"hour": 7, "minute": 39}
